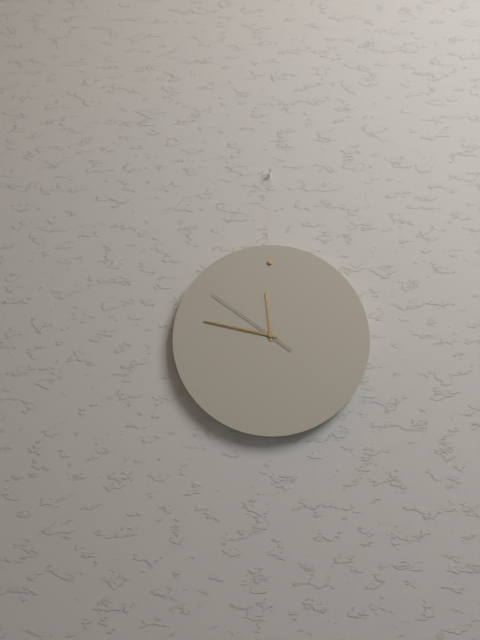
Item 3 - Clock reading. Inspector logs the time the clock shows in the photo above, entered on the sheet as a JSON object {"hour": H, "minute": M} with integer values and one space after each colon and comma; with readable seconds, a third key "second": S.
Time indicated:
{"hour": 11, "minute": 47, "second": 51}
